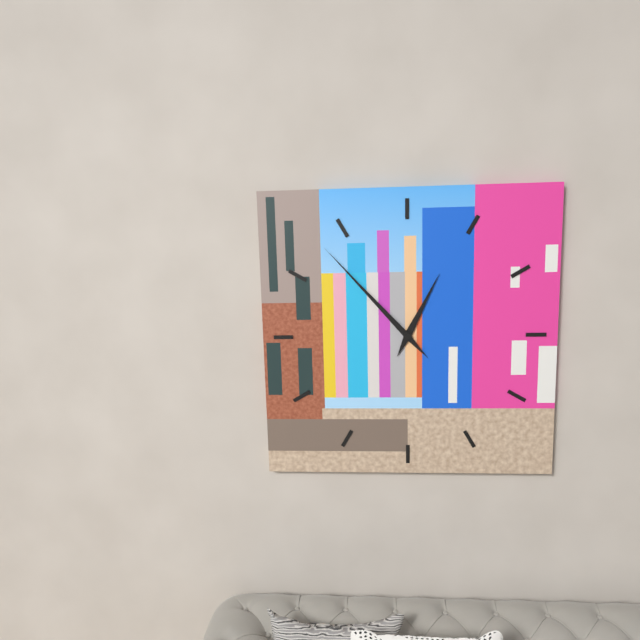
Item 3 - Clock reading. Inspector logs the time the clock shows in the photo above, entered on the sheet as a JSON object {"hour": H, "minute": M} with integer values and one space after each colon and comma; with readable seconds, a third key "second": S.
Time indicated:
{"hour": 12, "minute": 53}
